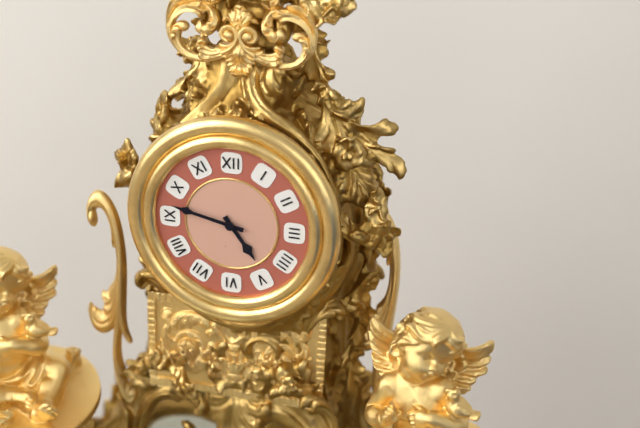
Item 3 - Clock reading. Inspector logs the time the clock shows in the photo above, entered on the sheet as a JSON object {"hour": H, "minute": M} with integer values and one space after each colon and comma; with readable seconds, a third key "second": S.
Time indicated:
{"hour": 4, "minute": 47}
